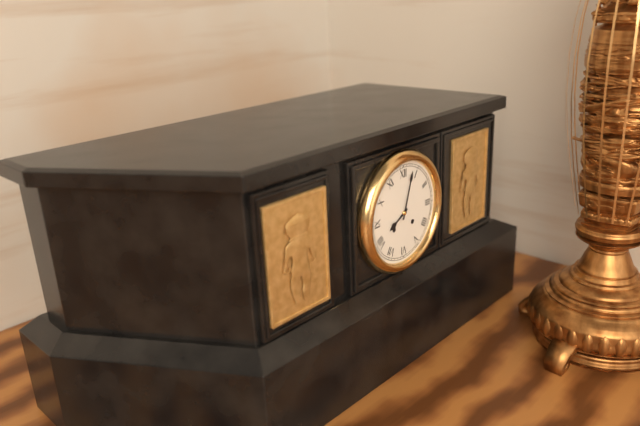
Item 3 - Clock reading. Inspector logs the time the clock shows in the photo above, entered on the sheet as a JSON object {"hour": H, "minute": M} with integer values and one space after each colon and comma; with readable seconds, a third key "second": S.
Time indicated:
{"hour": 8, "minute": 3}
